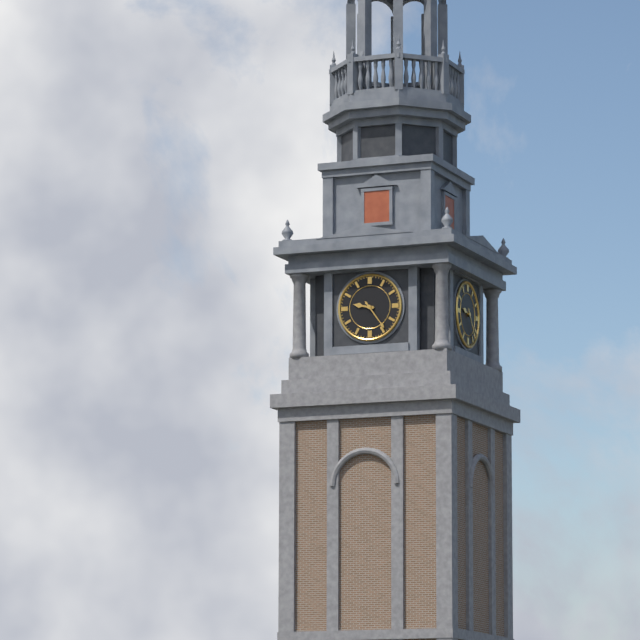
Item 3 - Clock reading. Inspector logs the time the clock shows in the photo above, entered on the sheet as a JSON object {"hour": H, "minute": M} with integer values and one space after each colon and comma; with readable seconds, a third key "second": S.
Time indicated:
{"hour": 9, "minute": 24}
